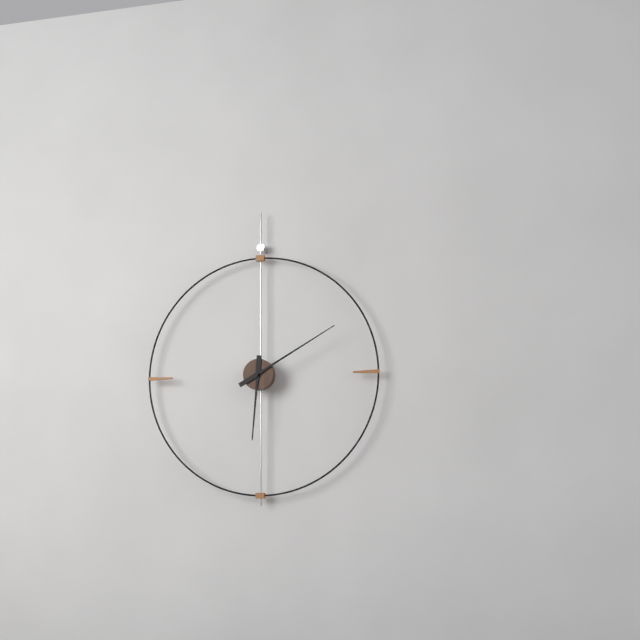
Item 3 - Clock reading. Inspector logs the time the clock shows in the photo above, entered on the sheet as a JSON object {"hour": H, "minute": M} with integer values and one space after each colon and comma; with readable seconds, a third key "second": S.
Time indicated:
{"hour": 6, "minute": 10}
